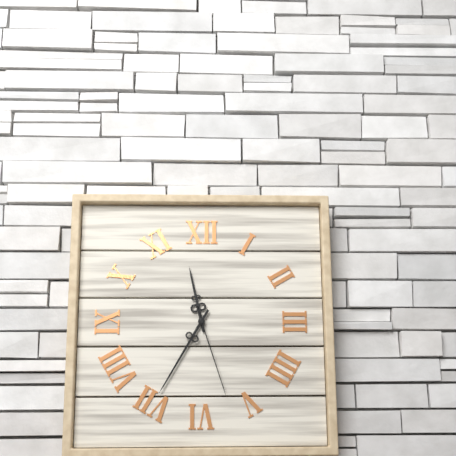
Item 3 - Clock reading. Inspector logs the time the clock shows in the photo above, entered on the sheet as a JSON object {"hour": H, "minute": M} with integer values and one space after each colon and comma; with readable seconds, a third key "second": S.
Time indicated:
{"hour": 11, "minute": 35, "second": 27}
